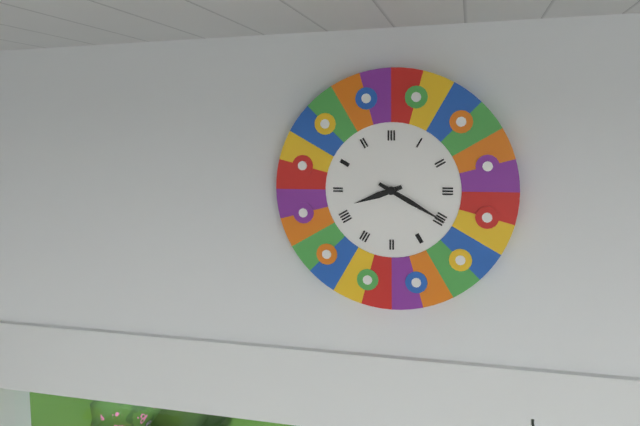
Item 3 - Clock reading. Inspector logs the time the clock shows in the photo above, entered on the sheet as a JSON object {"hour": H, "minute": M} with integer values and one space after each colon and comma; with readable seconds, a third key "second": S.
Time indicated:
{"hour": 8, "minute": 20}
